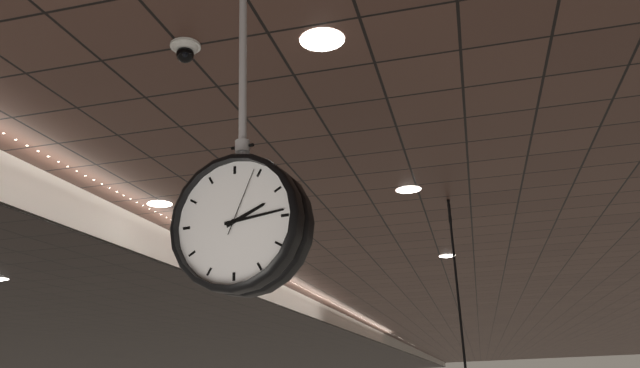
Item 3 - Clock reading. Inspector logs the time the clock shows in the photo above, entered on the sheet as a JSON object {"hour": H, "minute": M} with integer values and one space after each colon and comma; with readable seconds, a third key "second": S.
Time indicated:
{"hour": 2, "minute": 14, "second": 4}
